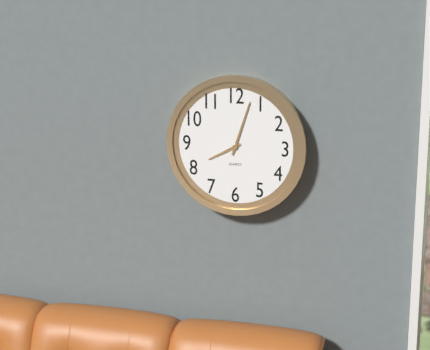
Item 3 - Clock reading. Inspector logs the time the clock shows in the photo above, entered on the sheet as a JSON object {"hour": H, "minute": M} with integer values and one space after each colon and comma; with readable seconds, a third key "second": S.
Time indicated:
{"hour": 8, "minute": 3}
